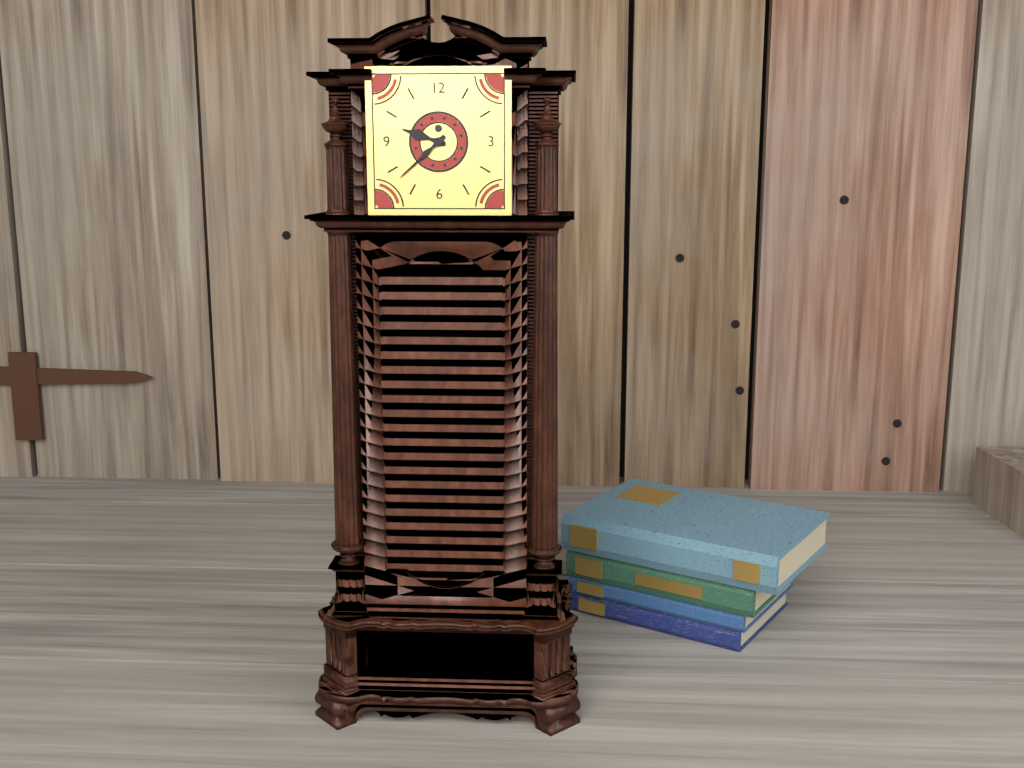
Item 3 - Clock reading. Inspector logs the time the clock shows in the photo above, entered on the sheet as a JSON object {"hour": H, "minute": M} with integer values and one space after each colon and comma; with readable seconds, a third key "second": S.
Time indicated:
{"hour": 9, "minute": 38}
